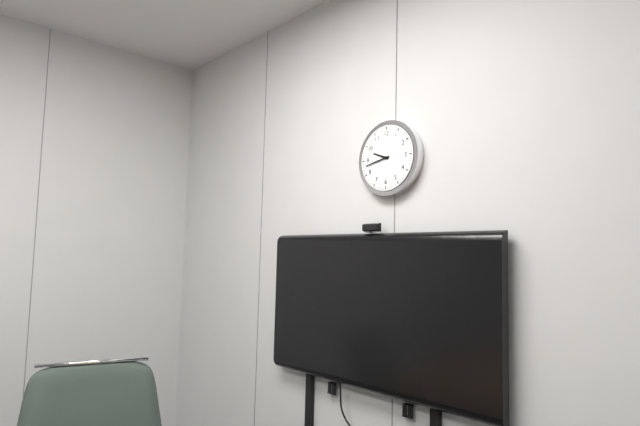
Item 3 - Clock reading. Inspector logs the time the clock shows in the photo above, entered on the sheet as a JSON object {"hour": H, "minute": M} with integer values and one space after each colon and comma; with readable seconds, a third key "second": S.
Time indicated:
{"hour": 9, "minute": 43}
